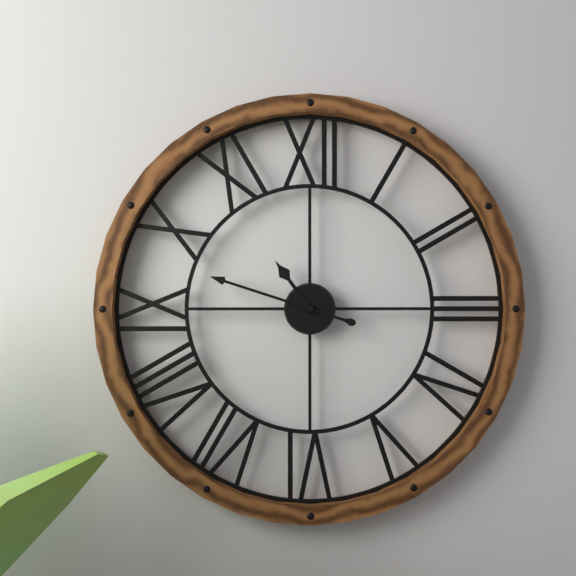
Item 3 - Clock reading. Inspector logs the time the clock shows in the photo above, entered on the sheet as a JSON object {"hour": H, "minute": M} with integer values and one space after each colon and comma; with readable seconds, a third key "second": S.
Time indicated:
{"hour": 10, "minute": 48}
